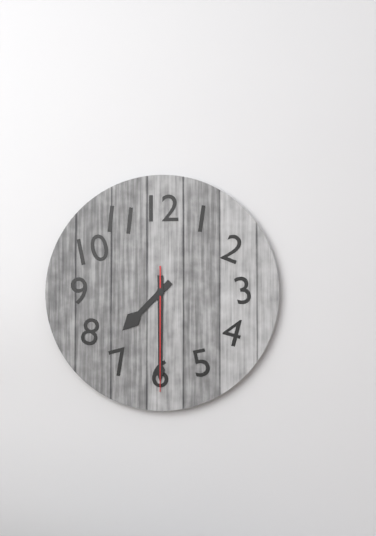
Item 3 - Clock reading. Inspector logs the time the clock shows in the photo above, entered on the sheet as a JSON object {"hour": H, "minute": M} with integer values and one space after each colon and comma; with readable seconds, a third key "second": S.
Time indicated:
{"hour": 7, "minute": 30, "second": 30}
